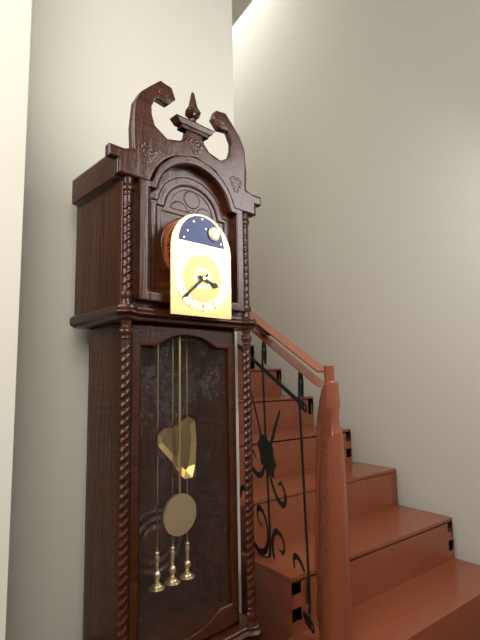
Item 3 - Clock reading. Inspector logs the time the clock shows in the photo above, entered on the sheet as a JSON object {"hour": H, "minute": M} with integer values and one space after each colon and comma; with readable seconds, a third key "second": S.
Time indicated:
{"hour": 3, "minute": 38}
